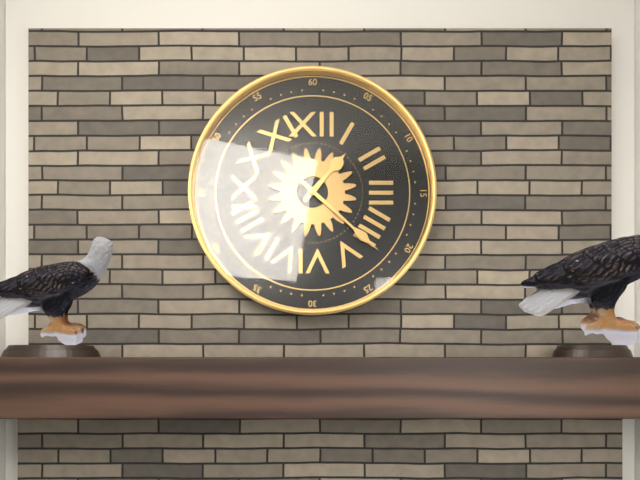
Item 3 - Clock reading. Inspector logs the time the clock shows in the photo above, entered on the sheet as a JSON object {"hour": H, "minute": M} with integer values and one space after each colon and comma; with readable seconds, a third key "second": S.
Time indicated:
{"hour": 1, "minute": 22}
